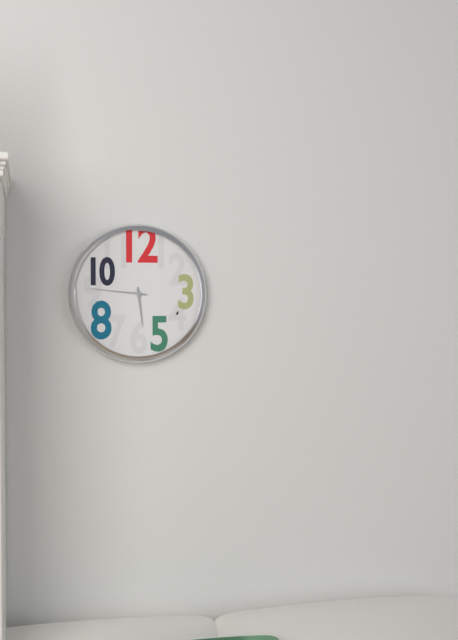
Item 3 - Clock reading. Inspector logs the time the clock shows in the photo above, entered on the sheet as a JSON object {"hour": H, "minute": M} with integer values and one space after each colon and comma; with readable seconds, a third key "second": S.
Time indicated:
{"hour": 5, "minute": 46}
